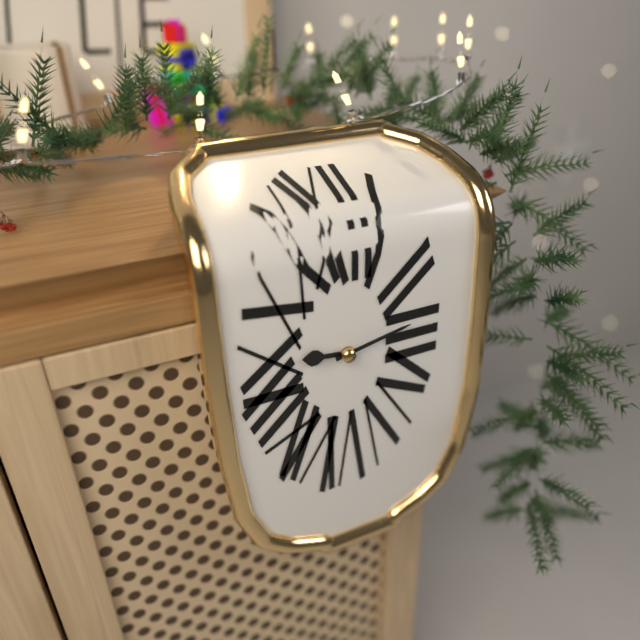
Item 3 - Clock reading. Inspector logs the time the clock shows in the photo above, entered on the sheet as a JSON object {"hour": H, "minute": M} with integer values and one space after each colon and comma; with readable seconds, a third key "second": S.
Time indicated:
{"hour": 9, "minute": 13}
